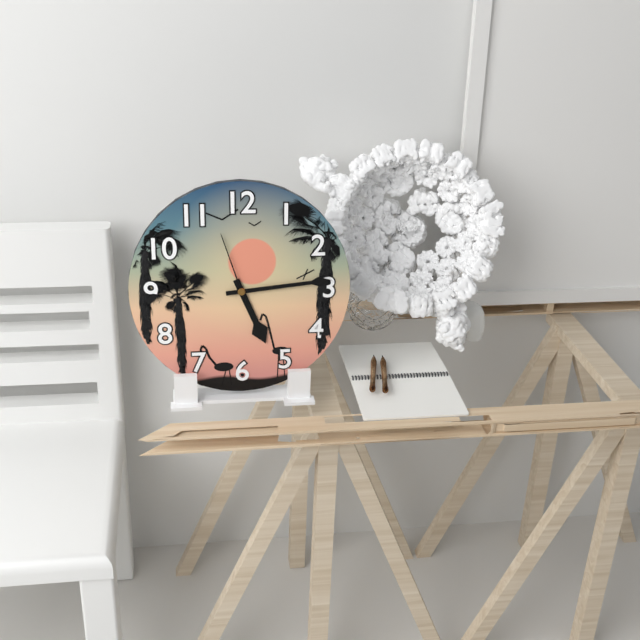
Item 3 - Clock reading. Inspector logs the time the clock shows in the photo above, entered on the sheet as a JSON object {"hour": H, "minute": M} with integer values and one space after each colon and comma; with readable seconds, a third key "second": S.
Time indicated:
{"hour": 5, "minute": 14, "second": 57}
